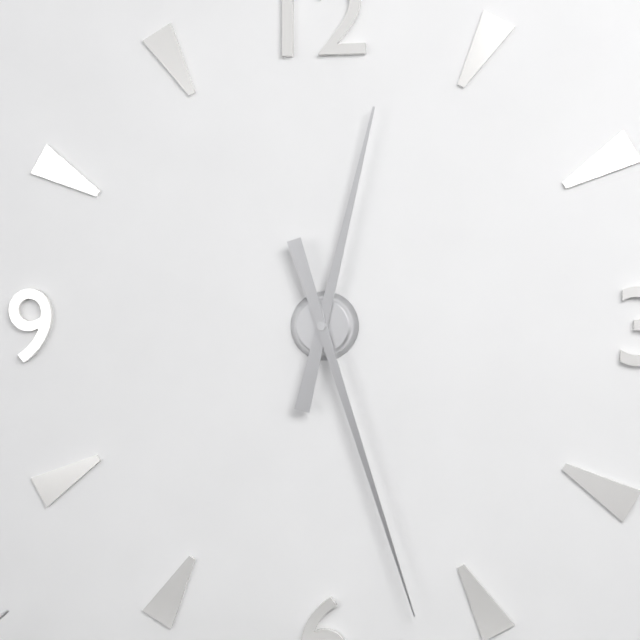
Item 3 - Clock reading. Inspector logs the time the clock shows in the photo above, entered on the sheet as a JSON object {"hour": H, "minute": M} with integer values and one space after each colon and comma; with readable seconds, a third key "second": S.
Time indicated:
{"hour": 12, "minute": 27}
